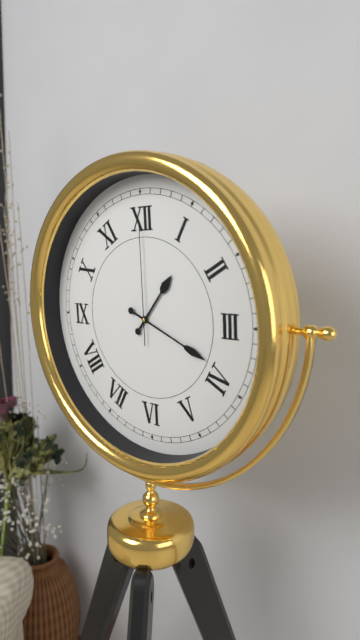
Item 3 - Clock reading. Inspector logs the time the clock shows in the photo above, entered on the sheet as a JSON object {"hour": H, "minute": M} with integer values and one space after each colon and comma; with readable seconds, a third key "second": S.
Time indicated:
{"hour": 1, "minute": 19, "second": 0}
